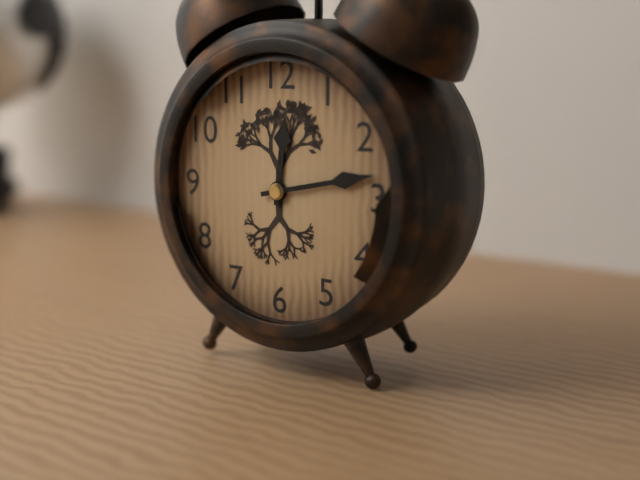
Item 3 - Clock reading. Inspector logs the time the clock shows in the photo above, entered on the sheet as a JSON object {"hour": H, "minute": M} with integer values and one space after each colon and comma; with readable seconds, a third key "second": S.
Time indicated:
{"hour": 12, "minute": 13}
